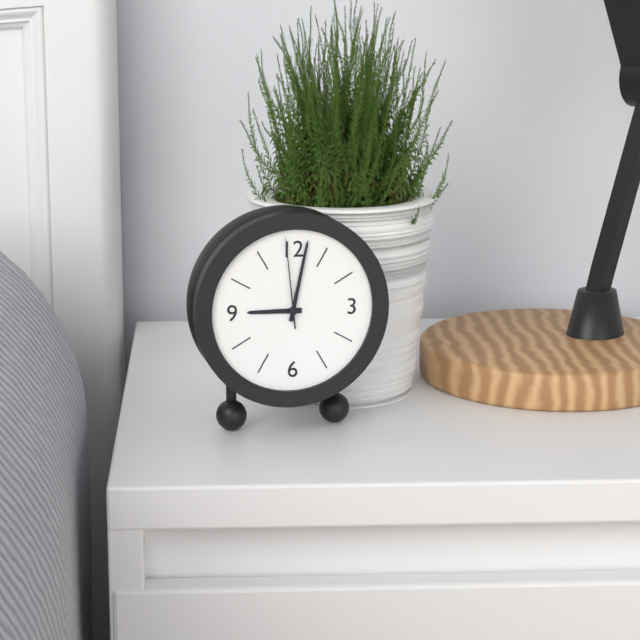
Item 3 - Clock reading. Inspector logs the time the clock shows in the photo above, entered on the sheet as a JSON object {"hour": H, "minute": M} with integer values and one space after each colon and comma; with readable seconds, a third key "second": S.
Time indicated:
{"hour": 9, "minute": 2, "second": 59}
